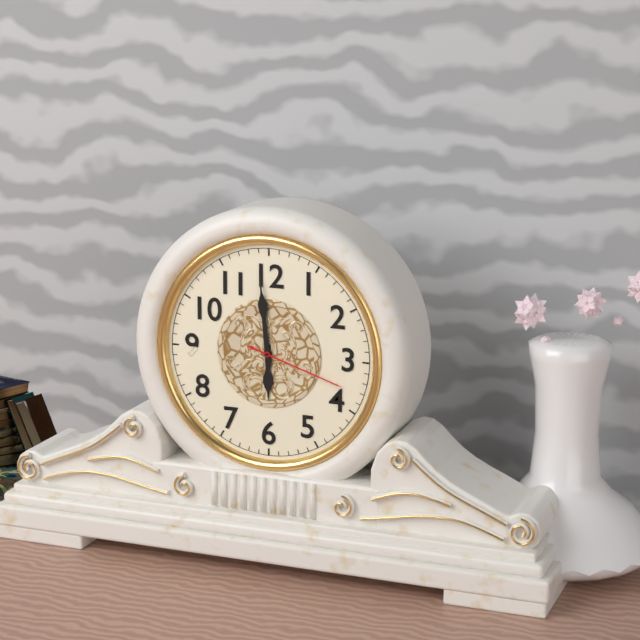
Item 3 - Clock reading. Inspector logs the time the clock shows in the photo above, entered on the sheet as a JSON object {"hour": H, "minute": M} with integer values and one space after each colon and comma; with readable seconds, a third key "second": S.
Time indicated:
{"hour": 5, "minute": 59, "second": 18}
